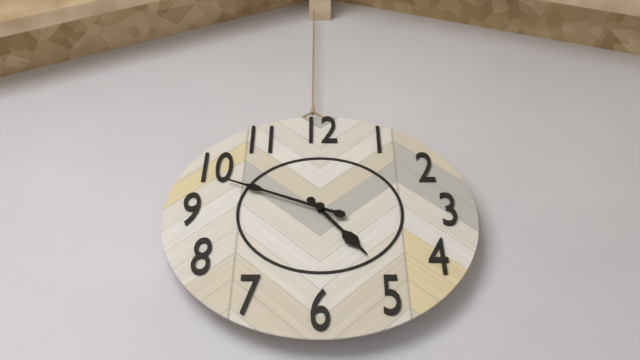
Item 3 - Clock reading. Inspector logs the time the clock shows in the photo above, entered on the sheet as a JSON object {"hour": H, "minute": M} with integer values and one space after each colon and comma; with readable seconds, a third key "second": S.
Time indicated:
{"hour": 4, "minute": 49}
